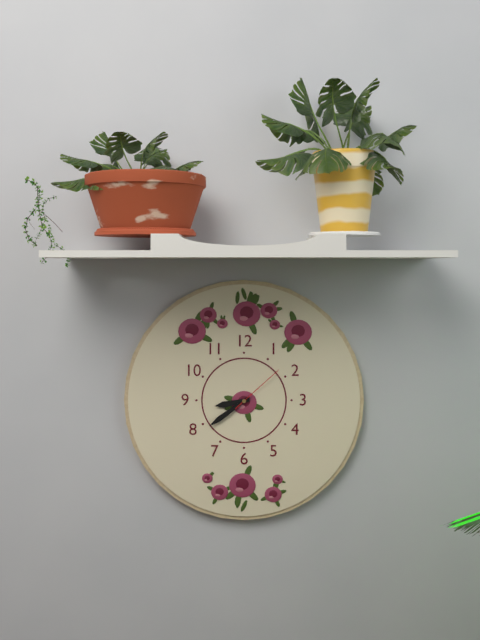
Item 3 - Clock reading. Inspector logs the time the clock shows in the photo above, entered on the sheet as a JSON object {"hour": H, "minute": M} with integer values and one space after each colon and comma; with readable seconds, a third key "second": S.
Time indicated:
{"hour": 8, "minute": 39, "second": 8}
